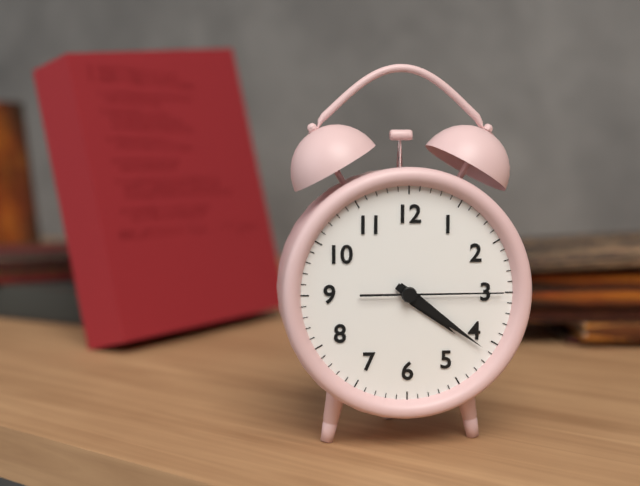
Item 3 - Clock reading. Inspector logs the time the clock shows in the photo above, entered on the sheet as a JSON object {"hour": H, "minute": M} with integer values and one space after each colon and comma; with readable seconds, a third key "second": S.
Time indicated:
{"hour": 4, "minute": 21, "second": 15}
